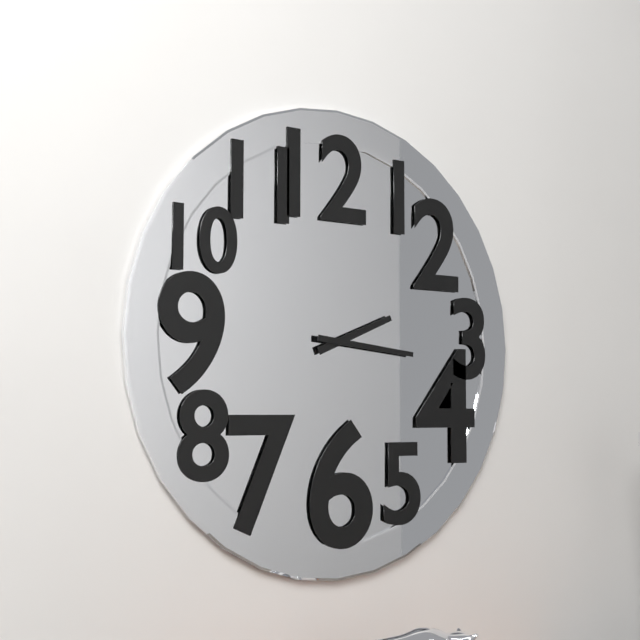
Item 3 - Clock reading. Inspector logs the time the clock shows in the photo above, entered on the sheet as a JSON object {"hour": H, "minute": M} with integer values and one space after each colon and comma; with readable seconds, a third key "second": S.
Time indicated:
{"hour": 2, "minute": 16}
